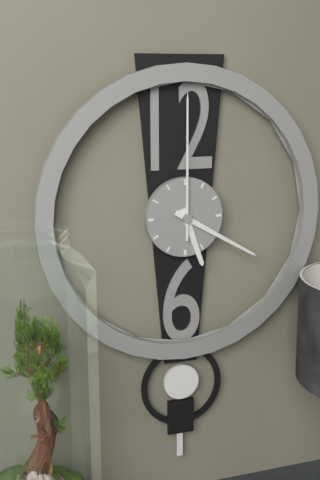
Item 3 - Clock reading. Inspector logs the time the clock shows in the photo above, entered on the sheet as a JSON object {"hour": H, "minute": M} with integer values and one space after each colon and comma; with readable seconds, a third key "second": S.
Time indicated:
{"hour": 5, "minute": 20, "second": 0}
